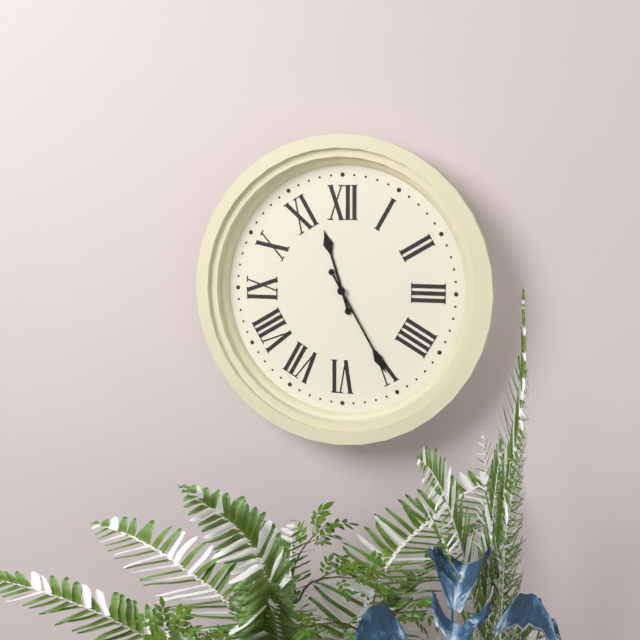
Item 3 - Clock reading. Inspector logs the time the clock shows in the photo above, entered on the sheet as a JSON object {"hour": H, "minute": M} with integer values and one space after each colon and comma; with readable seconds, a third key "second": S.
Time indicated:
{"hour": 11, "minute": 25}
